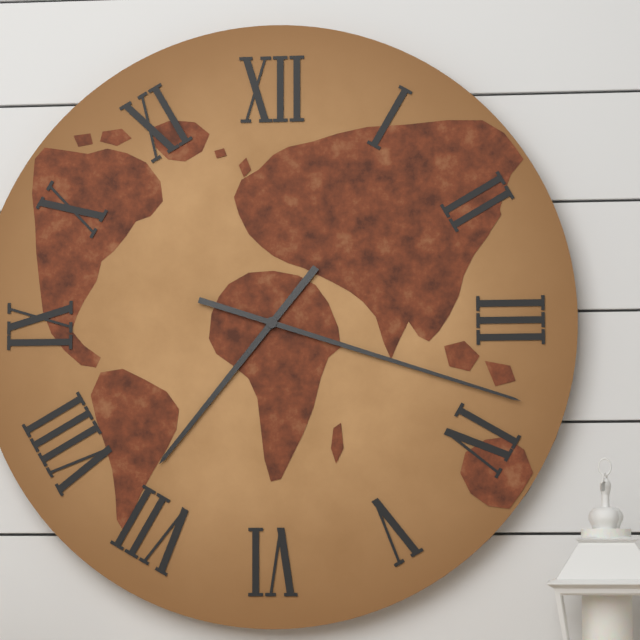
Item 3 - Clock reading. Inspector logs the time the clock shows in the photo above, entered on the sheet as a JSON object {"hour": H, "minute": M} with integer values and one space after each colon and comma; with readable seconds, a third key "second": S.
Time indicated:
{"hour": 7, "minute": 18}
